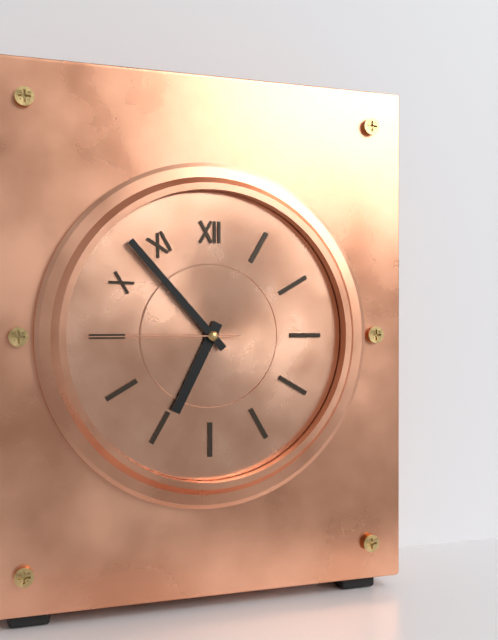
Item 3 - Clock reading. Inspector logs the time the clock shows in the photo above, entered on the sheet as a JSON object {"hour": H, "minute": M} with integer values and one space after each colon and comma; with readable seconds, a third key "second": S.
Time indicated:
{"hour": 6, "minute": 53, "second": 45}
